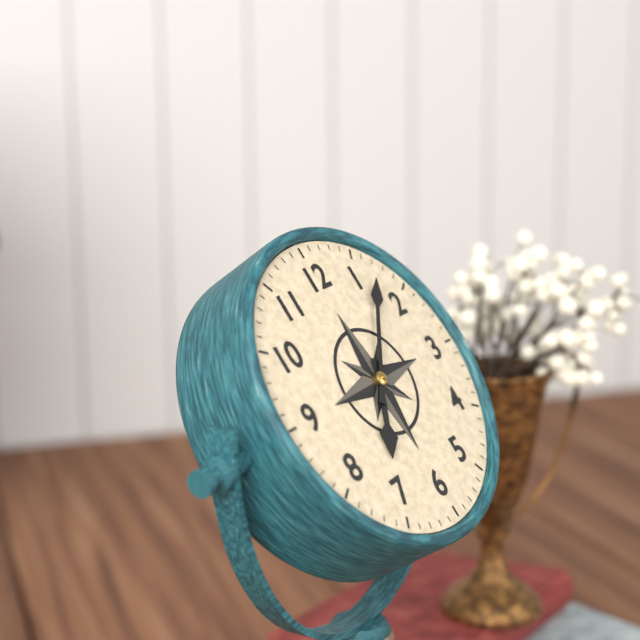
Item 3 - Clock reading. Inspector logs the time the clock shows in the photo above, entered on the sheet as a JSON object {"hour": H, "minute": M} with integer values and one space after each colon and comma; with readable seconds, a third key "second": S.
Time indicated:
{"hour": 7, "minute": 7}
